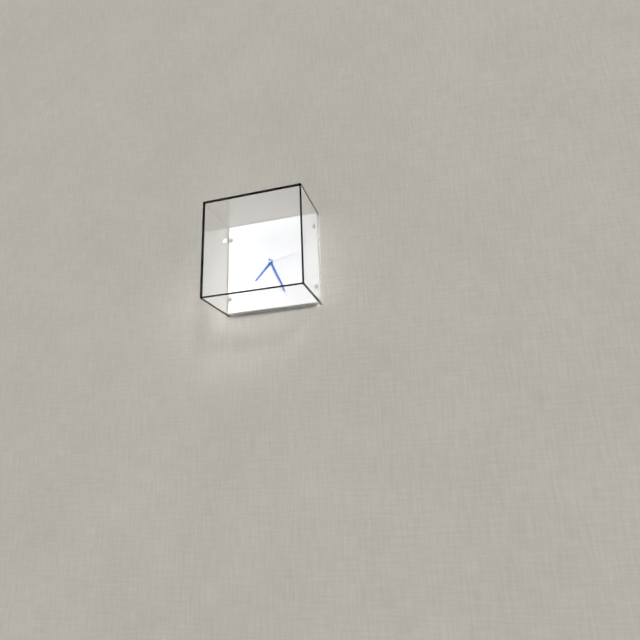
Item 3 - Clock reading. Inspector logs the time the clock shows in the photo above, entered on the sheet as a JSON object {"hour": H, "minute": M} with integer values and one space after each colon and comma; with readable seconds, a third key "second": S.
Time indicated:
{"hour": 7, "minute": 26}
